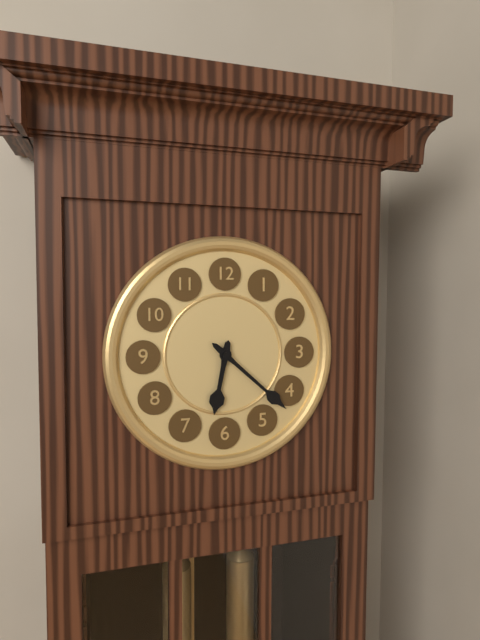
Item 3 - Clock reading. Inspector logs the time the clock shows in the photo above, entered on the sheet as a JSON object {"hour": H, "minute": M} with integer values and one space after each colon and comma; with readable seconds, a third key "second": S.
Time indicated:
{"hour": 6, "minute": 22}
